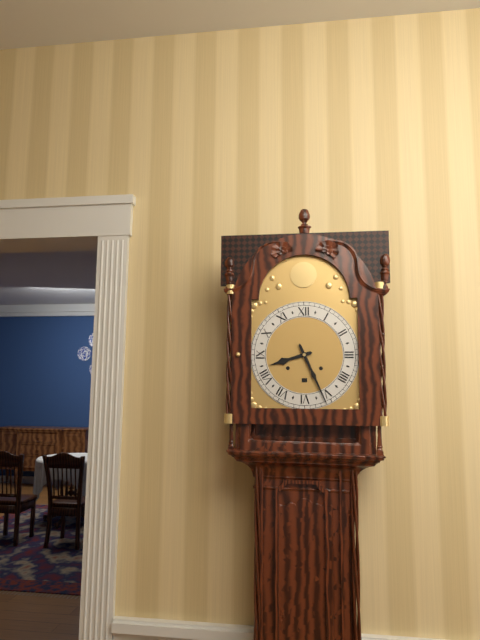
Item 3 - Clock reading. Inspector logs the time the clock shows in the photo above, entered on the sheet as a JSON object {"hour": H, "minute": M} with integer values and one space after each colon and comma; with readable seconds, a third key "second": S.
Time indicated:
{"hour": 8, "minute": 26}
